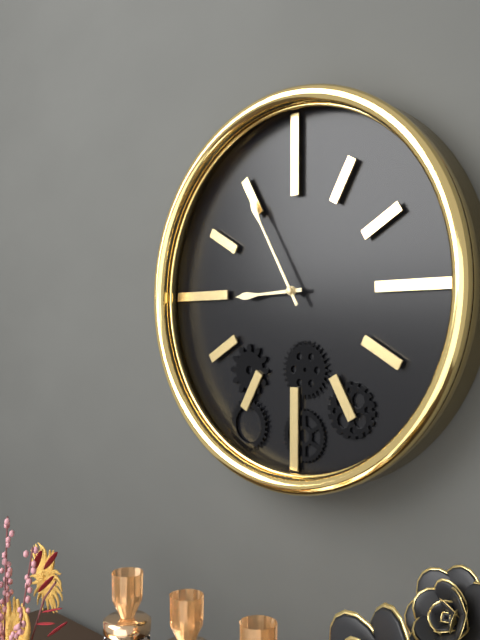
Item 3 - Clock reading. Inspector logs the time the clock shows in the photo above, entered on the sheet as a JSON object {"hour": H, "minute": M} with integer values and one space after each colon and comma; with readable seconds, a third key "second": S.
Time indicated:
{"hour": 8, "minute": 55}
